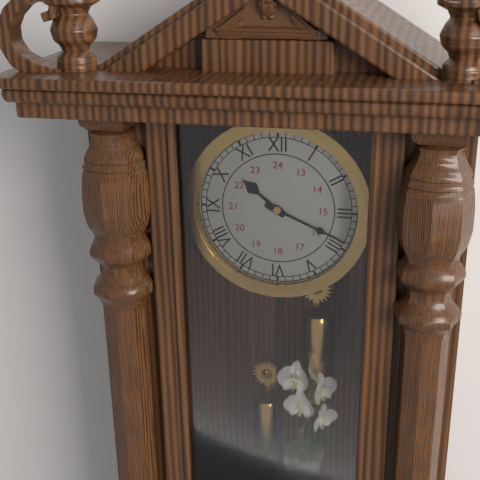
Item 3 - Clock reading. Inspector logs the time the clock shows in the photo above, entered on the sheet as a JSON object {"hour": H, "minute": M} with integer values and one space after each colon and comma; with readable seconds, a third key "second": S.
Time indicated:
{"hour": 10, "minute": 19}
